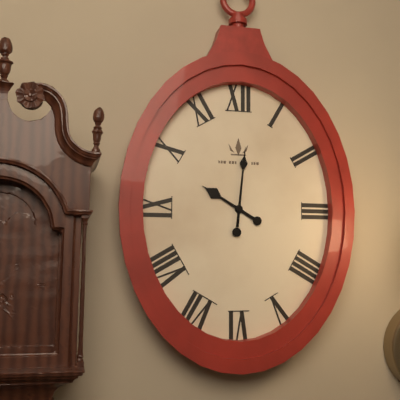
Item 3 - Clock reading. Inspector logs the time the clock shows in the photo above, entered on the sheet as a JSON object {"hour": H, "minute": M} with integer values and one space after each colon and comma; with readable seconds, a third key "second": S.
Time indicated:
{"hour": 10, "minute": 1}
